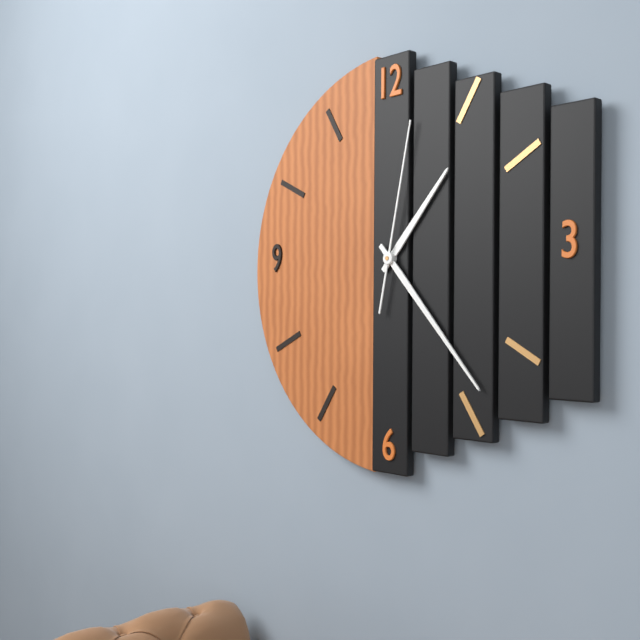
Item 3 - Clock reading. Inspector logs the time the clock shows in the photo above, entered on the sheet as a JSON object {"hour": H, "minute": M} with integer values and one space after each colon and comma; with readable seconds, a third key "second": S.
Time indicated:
{"hour": 1, "minute": 23, "second": 2}
